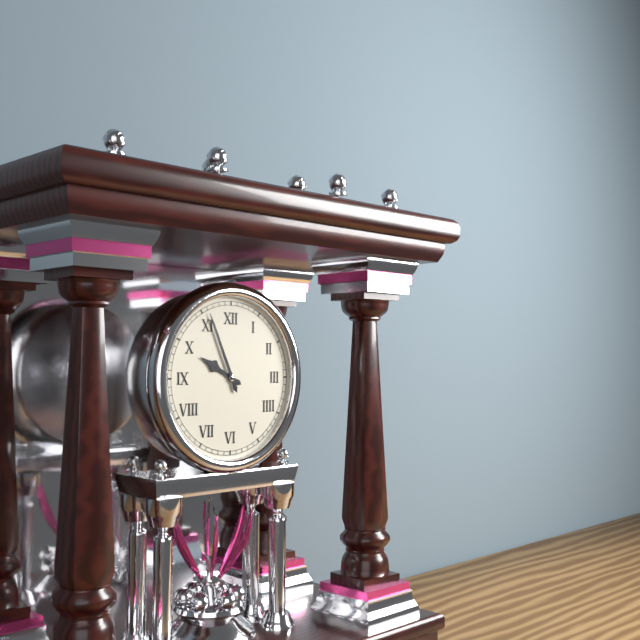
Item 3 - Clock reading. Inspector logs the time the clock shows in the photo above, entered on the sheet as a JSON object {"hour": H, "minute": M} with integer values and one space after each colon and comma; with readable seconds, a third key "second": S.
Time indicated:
{"hour": 9, "minute": 56}
